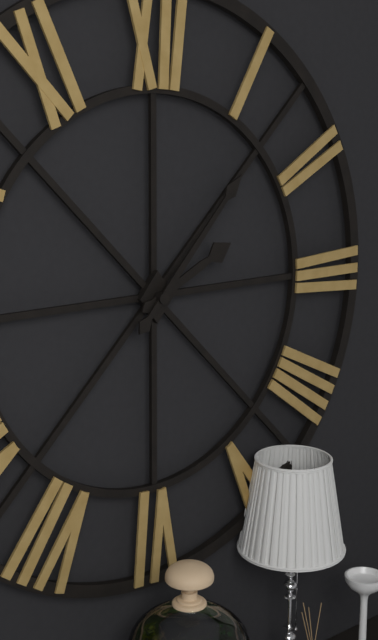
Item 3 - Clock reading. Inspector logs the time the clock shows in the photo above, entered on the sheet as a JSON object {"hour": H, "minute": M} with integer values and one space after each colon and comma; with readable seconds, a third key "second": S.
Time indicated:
{"hour": 2, "minute": 7}
